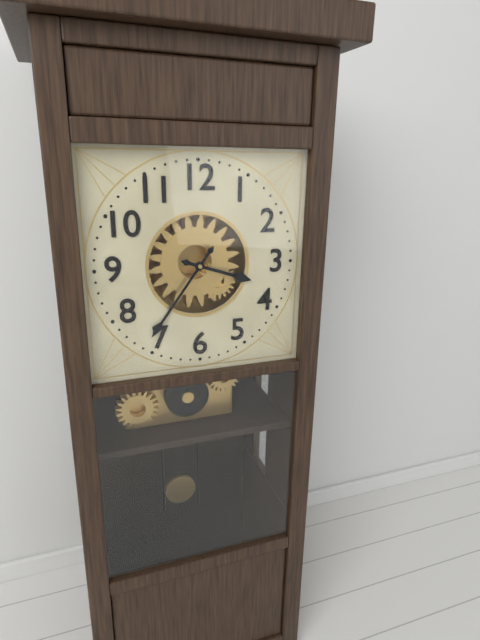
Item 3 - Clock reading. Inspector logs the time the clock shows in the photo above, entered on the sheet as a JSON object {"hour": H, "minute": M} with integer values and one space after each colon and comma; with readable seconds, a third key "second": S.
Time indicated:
{"hour": 3, "minute": 36}
